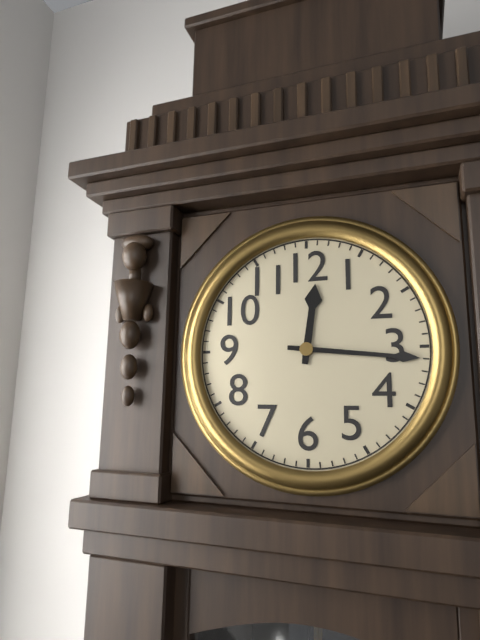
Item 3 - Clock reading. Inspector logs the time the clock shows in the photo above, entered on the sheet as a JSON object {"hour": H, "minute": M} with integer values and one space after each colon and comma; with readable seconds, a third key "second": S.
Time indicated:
{"hour": 12, "minute": 16}
